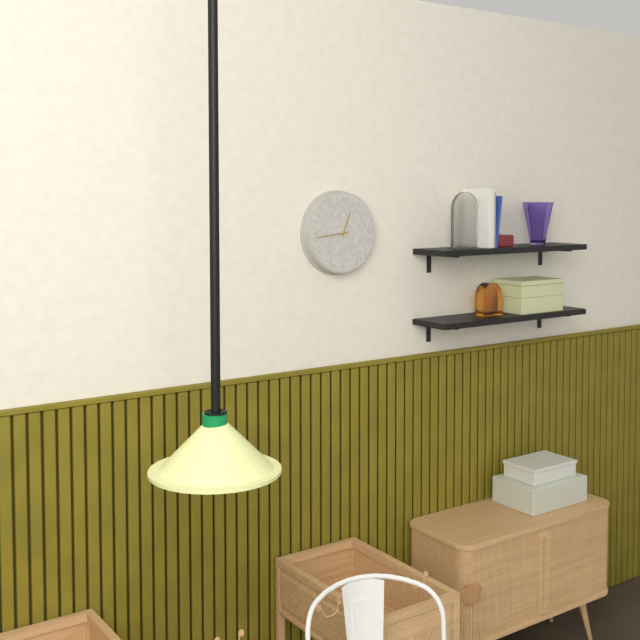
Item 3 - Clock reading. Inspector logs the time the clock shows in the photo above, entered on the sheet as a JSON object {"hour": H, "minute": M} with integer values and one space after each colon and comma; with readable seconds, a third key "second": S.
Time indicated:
{"hour": 12, "minute": 44}
